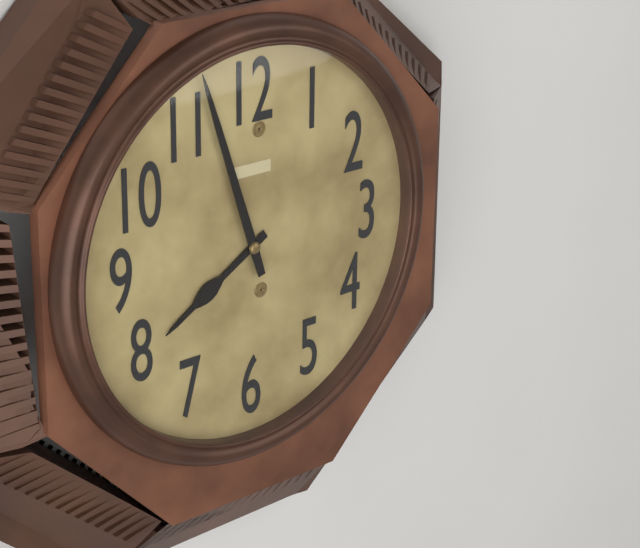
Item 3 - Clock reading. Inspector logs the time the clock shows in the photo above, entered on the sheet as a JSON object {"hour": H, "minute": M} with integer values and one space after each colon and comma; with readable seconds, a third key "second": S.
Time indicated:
{"hour": 7, "minute": 57}
